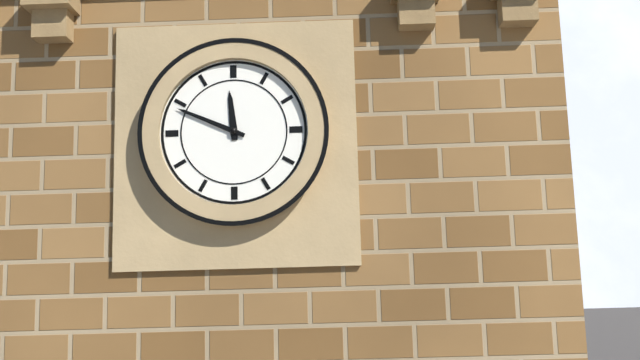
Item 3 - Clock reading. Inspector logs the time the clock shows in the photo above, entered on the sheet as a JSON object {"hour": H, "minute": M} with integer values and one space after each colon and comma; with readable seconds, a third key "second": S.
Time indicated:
{"hour": 11, "minute": 49}
